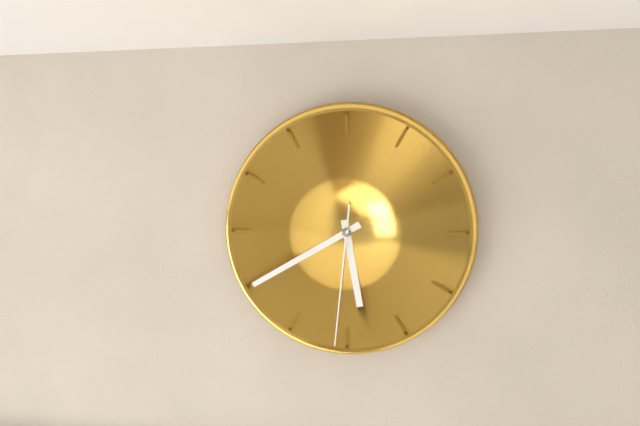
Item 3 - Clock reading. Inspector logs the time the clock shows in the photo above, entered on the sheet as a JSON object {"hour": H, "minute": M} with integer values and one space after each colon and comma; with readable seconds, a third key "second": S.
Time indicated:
{"hour": 5, "minute": 40, "second": 31}
